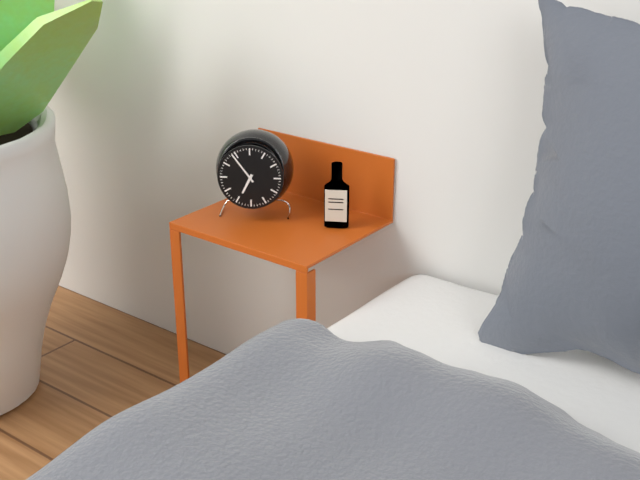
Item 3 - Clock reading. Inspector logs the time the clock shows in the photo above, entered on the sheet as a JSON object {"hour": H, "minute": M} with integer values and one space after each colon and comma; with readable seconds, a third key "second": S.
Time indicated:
{"hour": 6, "minute": 54}
